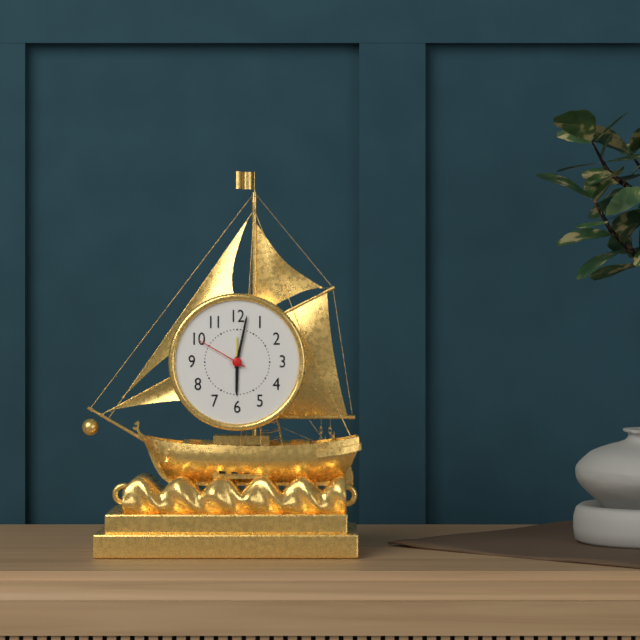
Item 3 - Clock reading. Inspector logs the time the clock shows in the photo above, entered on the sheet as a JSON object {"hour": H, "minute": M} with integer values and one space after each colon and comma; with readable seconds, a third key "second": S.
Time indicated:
{"hour": 6, "minute": 2, "second": 50}
